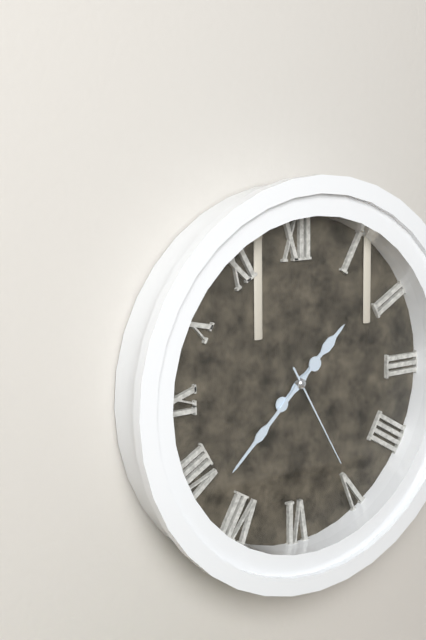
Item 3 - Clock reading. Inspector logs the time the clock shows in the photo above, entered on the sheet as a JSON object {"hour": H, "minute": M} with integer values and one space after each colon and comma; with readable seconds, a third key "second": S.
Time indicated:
{"hour": 1, "minute": 38, "second": 25}
